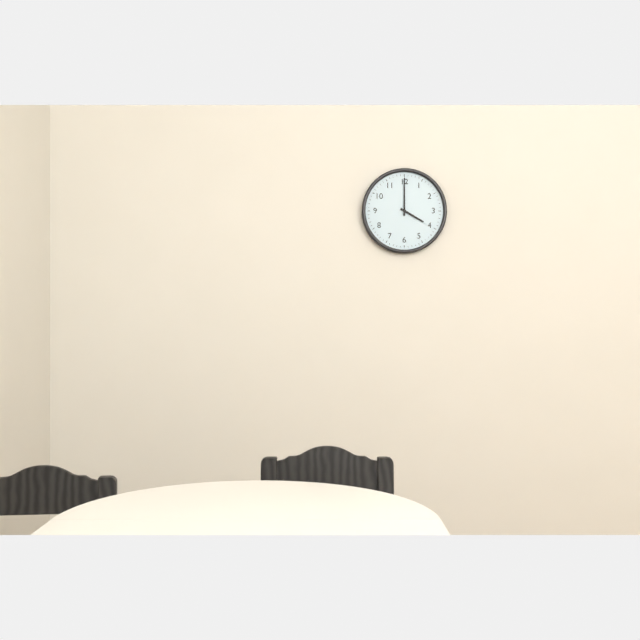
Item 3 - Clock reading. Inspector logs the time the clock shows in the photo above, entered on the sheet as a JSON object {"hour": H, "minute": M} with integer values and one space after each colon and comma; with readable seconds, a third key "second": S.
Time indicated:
{"hour": 4, "minute": 0}
